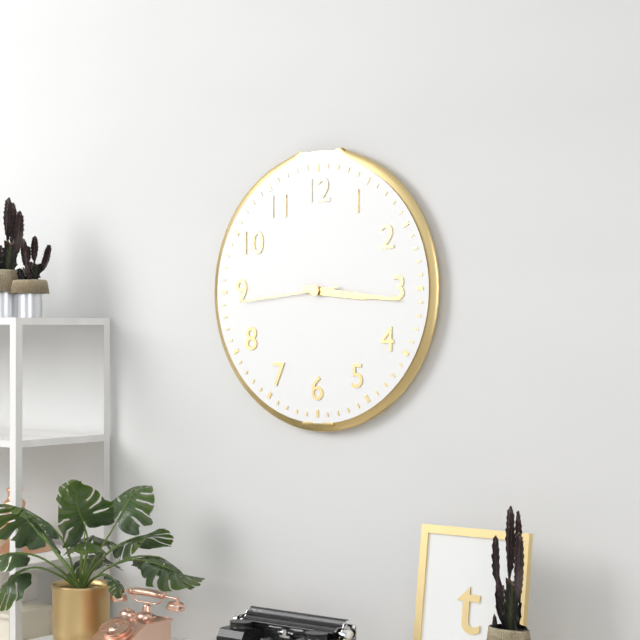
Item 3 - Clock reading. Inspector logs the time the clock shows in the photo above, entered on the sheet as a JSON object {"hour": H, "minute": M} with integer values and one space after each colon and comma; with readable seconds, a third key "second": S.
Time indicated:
{"hour": 3, "minute": 16, "second": 44}
